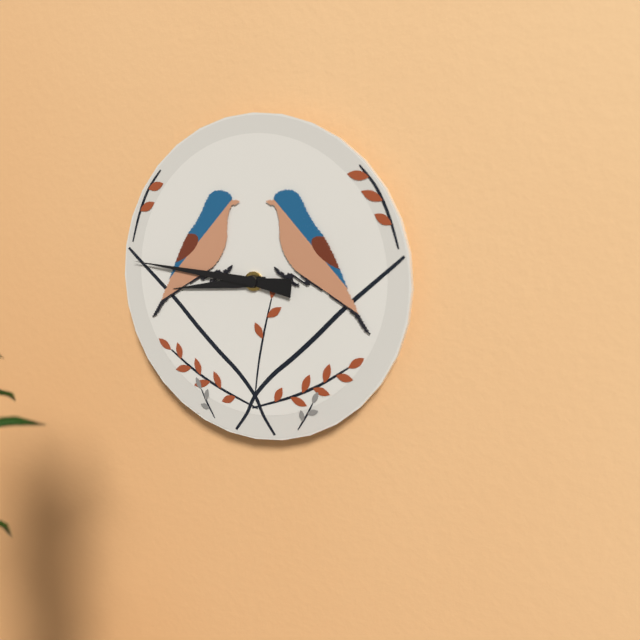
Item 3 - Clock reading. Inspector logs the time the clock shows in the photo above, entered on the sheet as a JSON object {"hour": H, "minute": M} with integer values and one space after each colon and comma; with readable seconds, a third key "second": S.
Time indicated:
{"hour": 8, "minute": 46}
